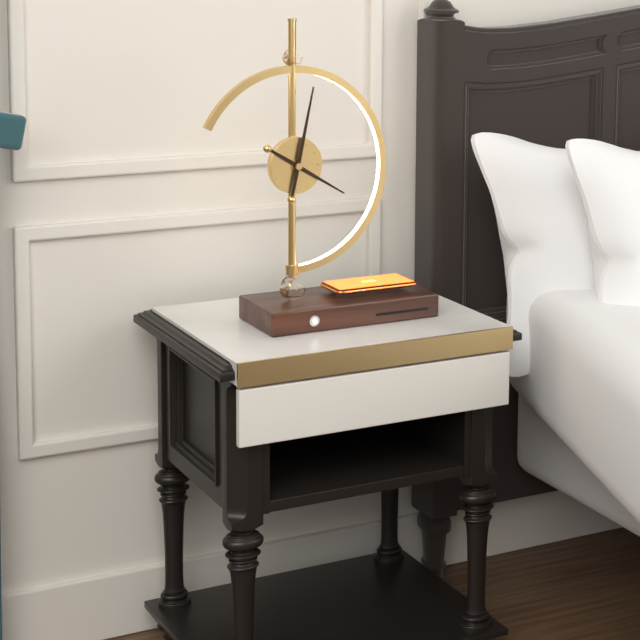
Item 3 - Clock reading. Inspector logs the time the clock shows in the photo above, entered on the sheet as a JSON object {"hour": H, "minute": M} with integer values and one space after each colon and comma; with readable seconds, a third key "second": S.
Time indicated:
{"hour": 4, "minute": 2}
